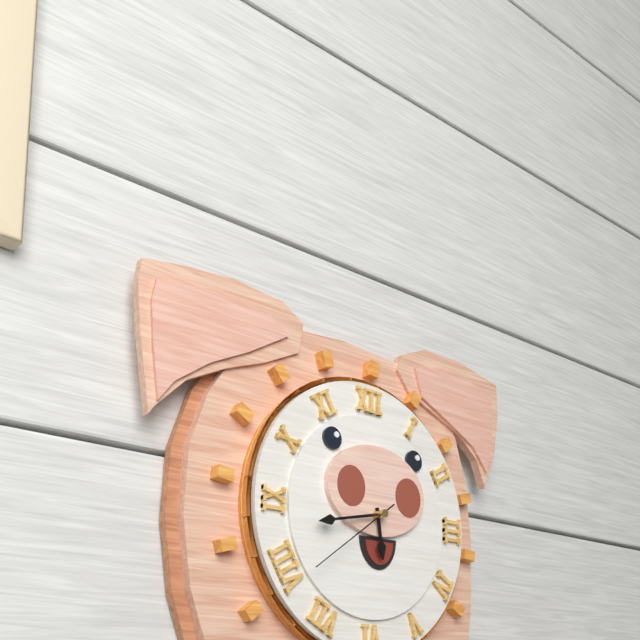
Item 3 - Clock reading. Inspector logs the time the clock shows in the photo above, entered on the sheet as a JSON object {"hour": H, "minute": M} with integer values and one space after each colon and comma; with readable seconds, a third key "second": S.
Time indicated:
{"hour": 5, "minute": 43, "second": 39}
